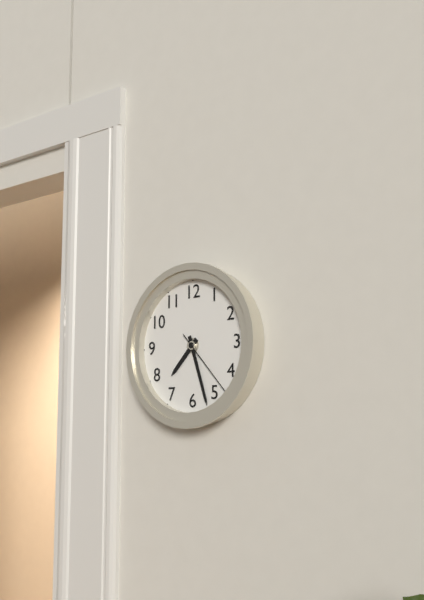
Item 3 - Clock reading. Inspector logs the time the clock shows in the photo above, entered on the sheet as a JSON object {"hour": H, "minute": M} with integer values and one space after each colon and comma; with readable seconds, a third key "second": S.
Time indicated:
{"hour": 7, "minute": 27, "second": 23}
